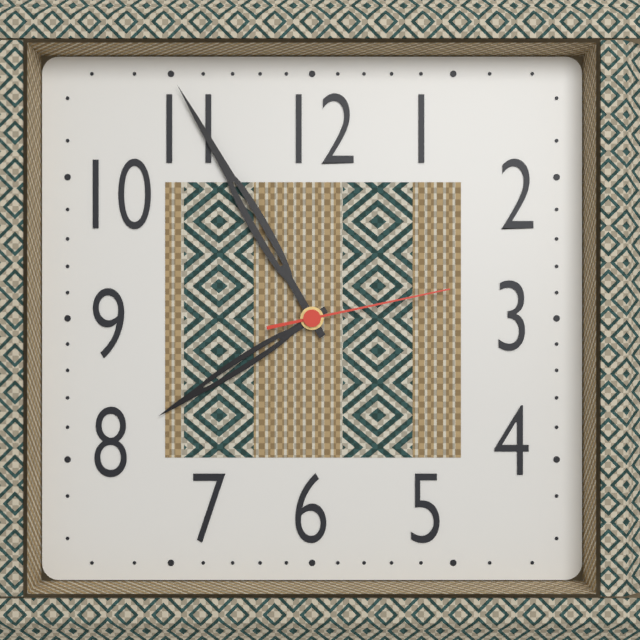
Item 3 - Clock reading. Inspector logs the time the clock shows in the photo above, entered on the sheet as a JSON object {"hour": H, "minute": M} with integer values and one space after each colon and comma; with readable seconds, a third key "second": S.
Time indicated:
{"hour": 7, "minute": 55, "second": 13}
